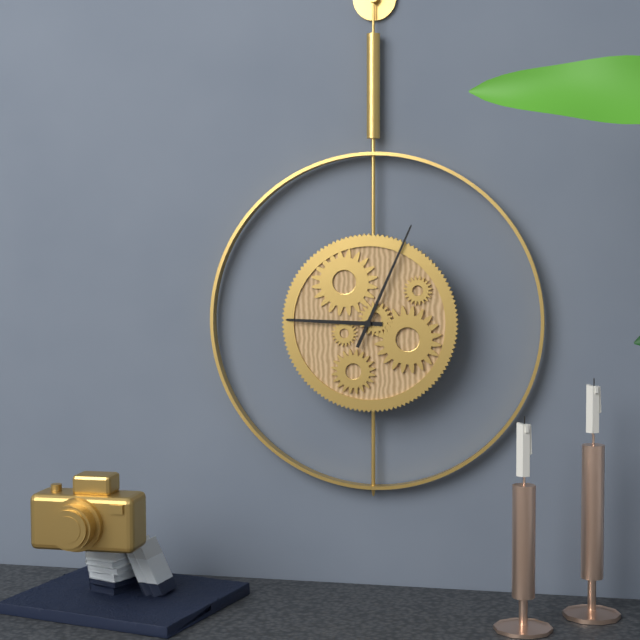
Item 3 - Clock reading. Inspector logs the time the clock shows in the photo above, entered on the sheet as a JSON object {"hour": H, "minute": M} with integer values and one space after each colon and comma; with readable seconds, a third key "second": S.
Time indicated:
{"hour": 9, "minute": 4}
